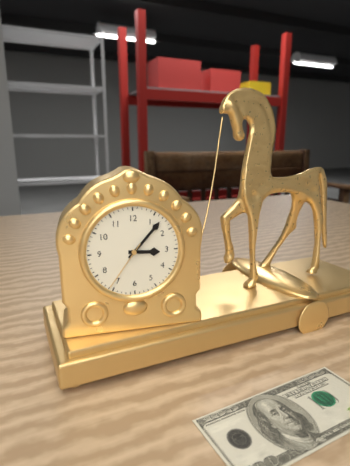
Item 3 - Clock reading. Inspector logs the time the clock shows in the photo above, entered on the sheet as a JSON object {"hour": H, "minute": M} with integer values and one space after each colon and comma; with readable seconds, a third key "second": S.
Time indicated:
{"hour": 3, "minute": 7, "second": 36}
